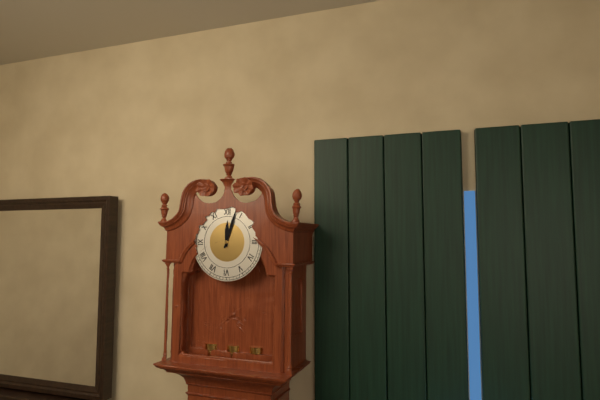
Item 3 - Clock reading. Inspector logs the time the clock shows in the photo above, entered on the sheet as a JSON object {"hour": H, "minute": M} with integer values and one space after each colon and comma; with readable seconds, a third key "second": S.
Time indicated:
{"hour": 12, "minute": 3}
